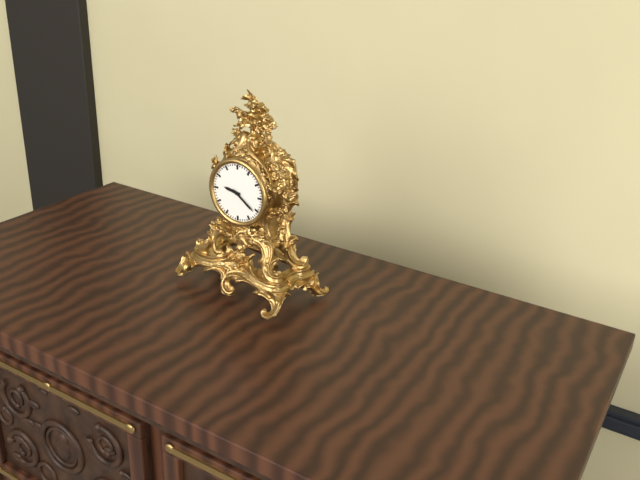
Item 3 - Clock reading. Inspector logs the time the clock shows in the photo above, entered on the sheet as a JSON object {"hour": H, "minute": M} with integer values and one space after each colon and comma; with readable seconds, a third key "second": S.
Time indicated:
{"hour": 9, "minute": 21}
